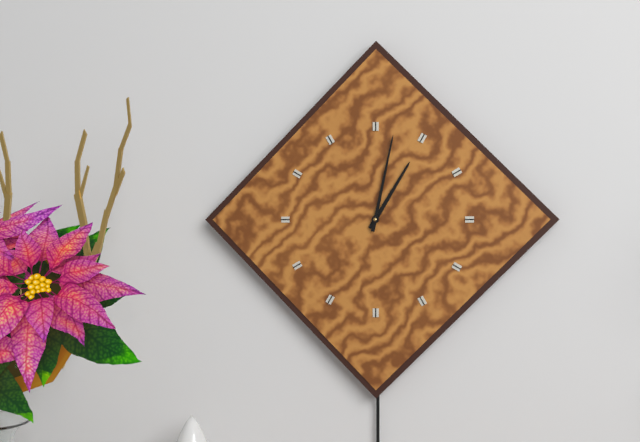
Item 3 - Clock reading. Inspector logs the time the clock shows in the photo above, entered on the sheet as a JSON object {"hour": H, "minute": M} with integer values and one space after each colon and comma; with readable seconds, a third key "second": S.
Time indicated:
{"hour": 1, "minute": 2}
